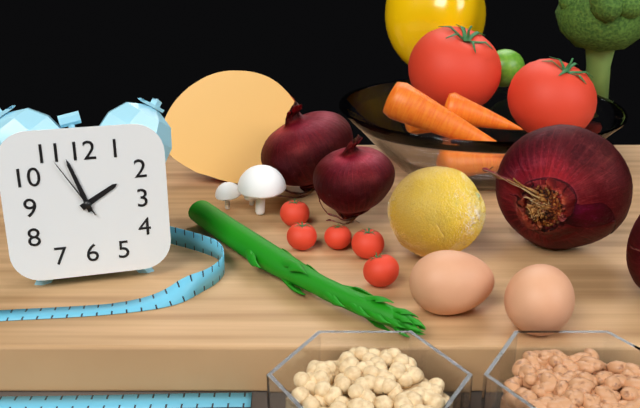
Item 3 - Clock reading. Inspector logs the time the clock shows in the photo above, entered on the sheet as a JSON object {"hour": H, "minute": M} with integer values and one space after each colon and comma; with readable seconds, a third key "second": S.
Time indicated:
{"hour": 1, "minute": 57, "second": 55}
